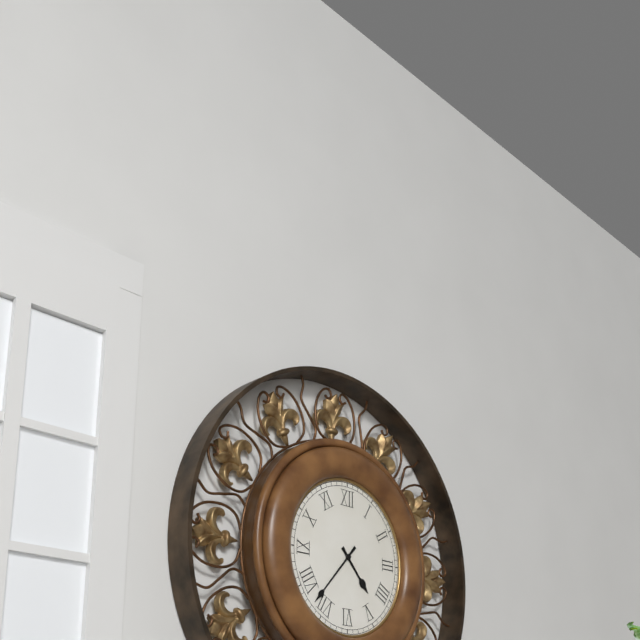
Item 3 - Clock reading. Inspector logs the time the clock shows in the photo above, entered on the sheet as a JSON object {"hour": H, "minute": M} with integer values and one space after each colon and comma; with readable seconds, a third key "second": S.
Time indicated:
{"hour": 4, "minute": 37}
